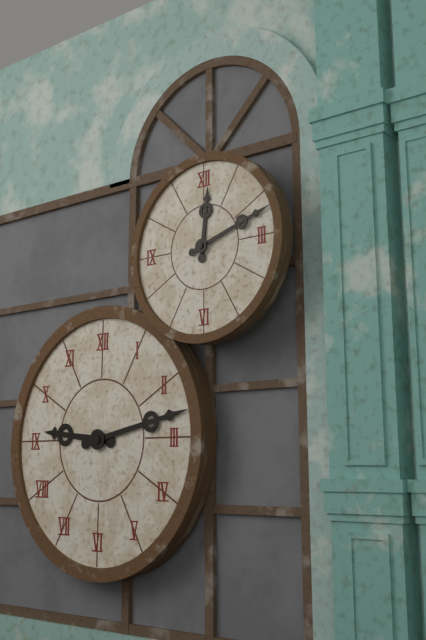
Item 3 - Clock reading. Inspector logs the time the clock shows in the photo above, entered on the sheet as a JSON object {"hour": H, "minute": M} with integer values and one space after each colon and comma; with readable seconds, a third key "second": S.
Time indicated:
{"hour": 12, "minute": 12}
